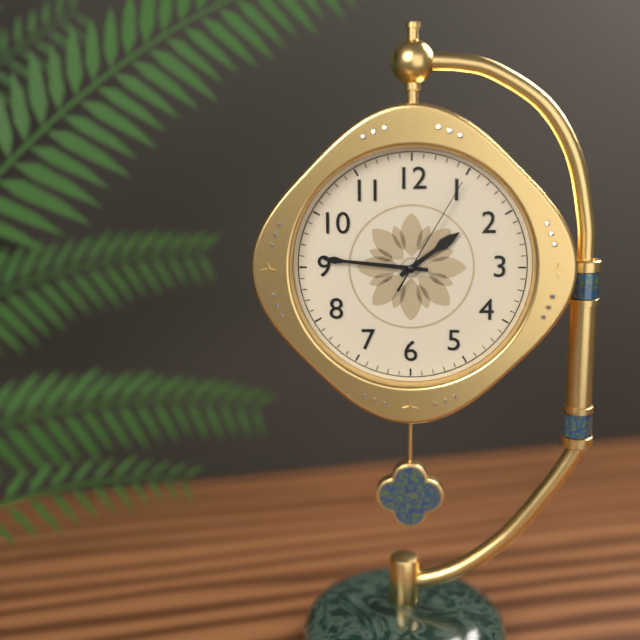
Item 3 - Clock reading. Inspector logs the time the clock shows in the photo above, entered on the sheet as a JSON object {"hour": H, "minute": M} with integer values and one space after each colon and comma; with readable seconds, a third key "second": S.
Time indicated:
{"hour": 1, "minute": 46, "second": 5}
